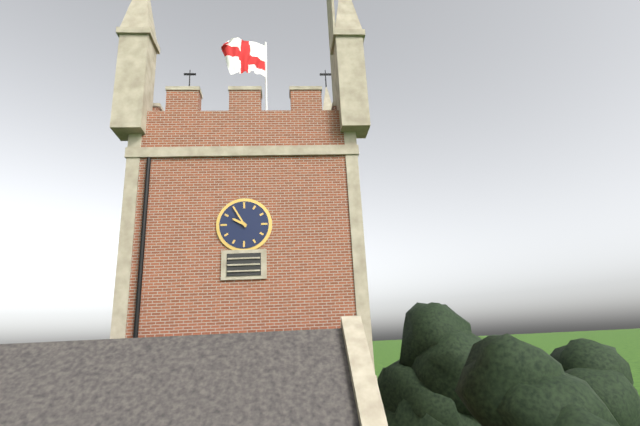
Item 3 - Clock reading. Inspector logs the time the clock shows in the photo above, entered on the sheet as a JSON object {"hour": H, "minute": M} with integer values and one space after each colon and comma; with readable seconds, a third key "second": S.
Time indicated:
{"hour": 9, "minute": 55}
